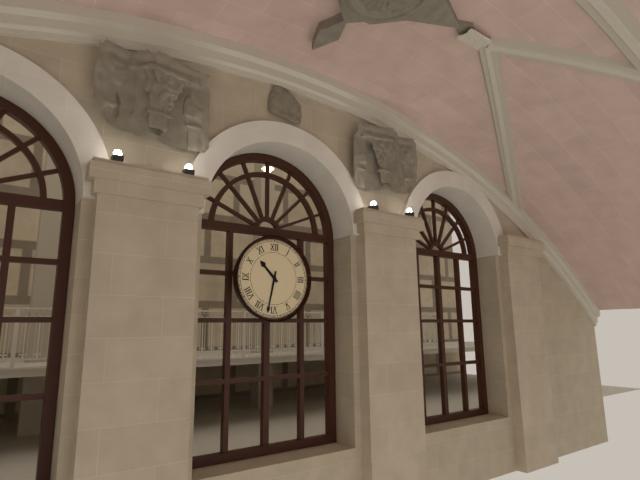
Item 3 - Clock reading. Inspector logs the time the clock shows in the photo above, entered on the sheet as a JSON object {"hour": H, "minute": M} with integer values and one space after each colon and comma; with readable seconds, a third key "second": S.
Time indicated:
{"hour": 10, "minute": 32}
